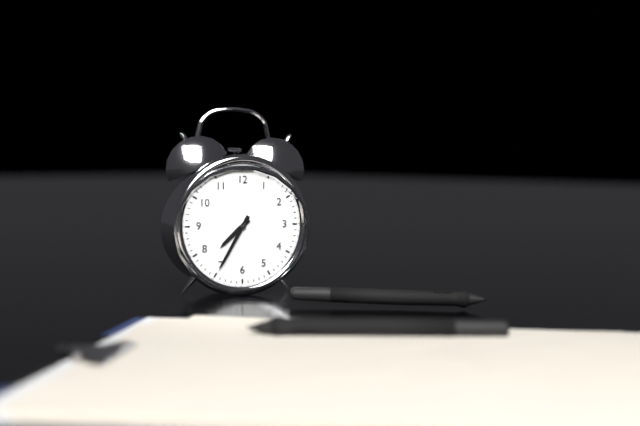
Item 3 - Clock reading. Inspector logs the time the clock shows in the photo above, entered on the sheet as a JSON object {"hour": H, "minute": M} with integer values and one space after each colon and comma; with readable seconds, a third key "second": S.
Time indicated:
{"hour": 7, "minute": 35}
